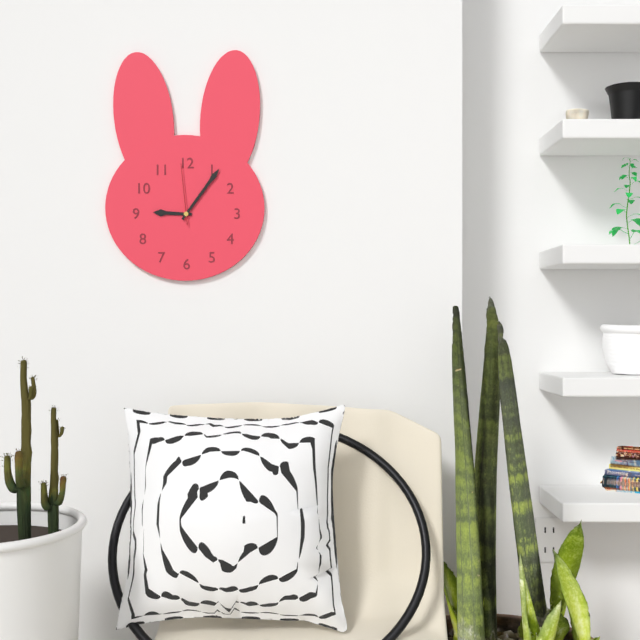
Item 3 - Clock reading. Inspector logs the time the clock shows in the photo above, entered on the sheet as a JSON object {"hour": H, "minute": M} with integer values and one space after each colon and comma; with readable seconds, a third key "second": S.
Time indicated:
{"hour": 9, "minute": 6, "second": 59}
